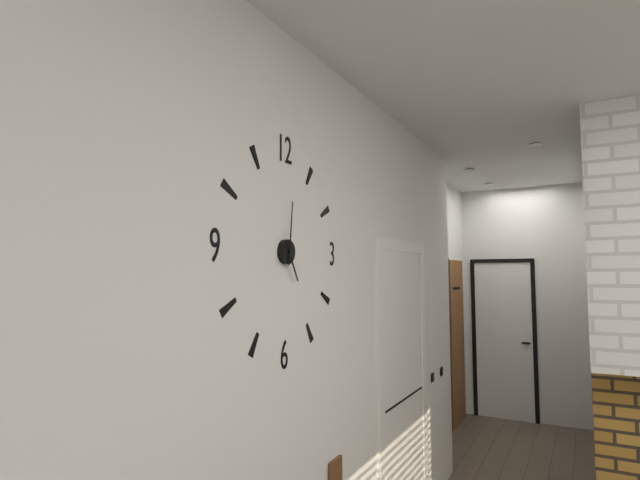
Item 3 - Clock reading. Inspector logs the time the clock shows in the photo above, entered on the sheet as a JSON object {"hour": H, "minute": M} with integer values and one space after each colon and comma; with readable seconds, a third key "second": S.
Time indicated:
{"hour": 5, "minute": 1}
